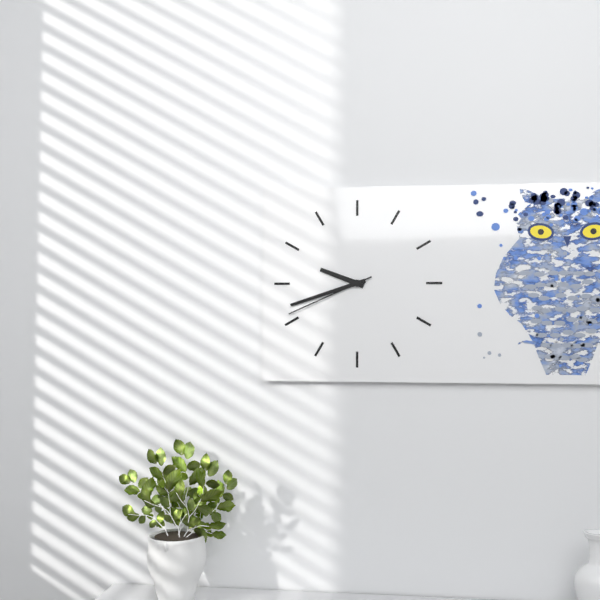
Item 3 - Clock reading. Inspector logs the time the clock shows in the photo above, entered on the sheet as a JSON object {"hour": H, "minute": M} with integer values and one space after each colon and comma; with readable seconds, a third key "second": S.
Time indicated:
{"hour": 9, "minute": 42, "second": 41}
